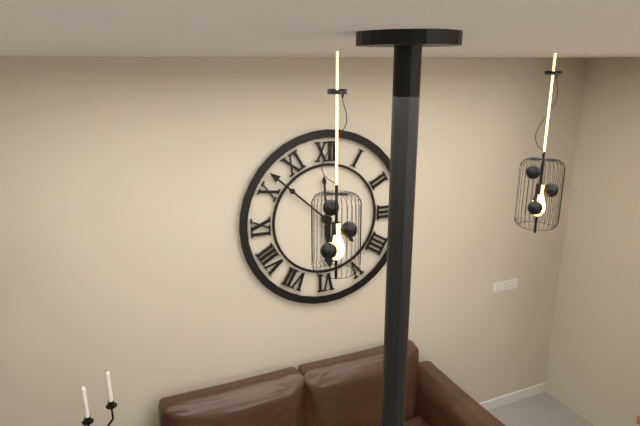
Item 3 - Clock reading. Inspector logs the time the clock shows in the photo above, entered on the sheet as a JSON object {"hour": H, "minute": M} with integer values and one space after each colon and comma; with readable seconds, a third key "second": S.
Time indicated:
{"hour": 5, "minute": 52}
